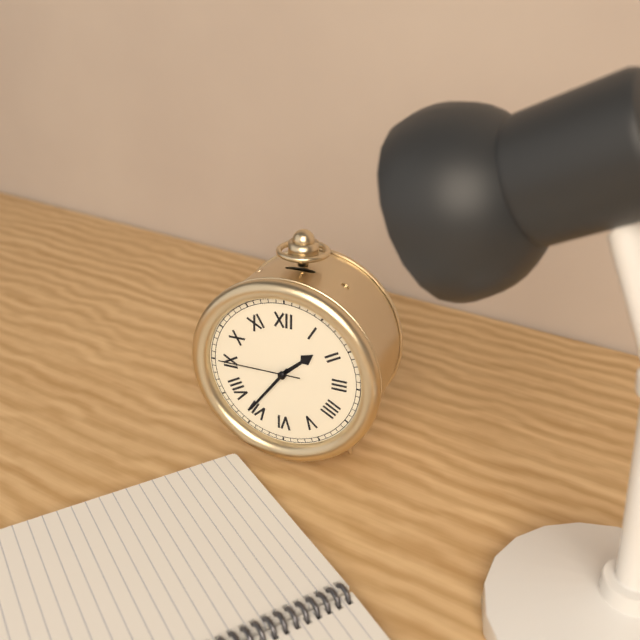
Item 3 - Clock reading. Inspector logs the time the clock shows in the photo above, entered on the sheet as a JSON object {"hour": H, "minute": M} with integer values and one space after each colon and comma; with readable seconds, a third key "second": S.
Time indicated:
{"hour": 1, "minute": 36, "second": 45}
